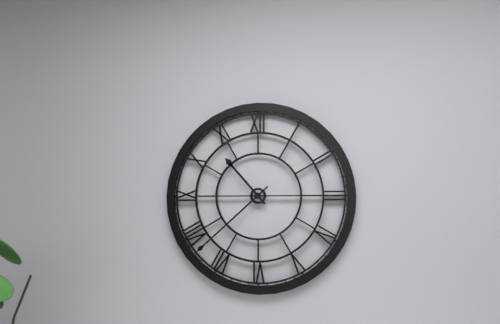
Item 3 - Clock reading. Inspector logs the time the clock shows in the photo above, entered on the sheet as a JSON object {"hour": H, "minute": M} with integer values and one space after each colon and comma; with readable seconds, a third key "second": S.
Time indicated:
{"hour": 10, "minute": 38}
